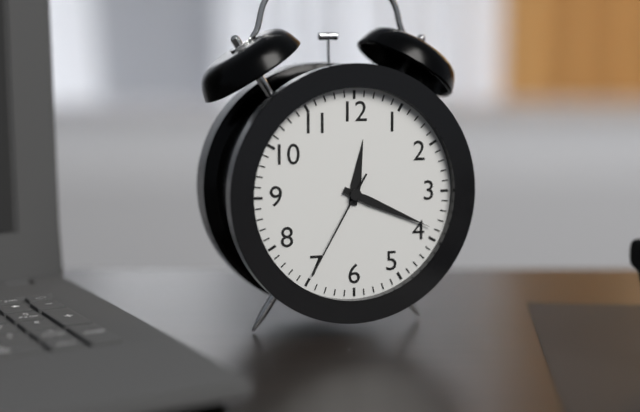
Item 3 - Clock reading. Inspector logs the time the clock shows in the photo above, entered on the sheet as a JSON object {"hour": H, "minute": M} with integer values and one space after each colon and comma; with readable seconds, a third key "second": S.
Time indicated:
{"hour": 12, "minute": 19, "second": 35}
